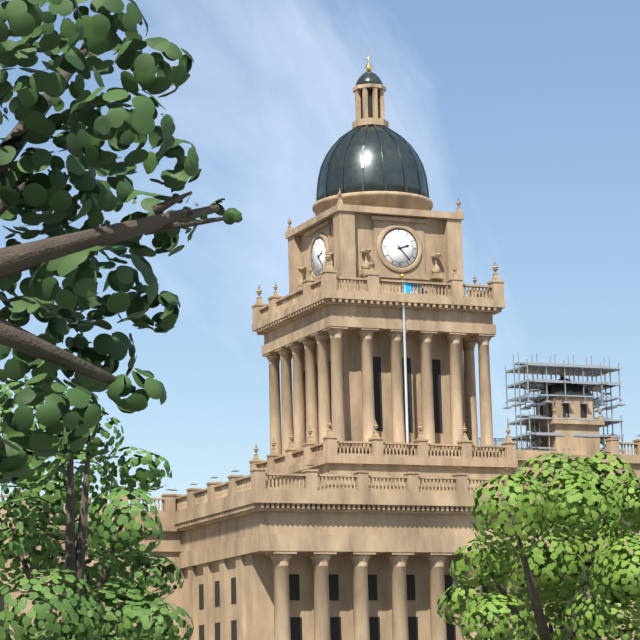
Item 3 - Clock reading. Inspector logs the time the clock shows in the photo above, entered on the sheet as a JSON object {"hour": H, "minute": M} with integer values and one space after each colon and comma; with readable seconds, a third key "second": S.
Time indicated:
{"hour": 2, "minute": 23}
